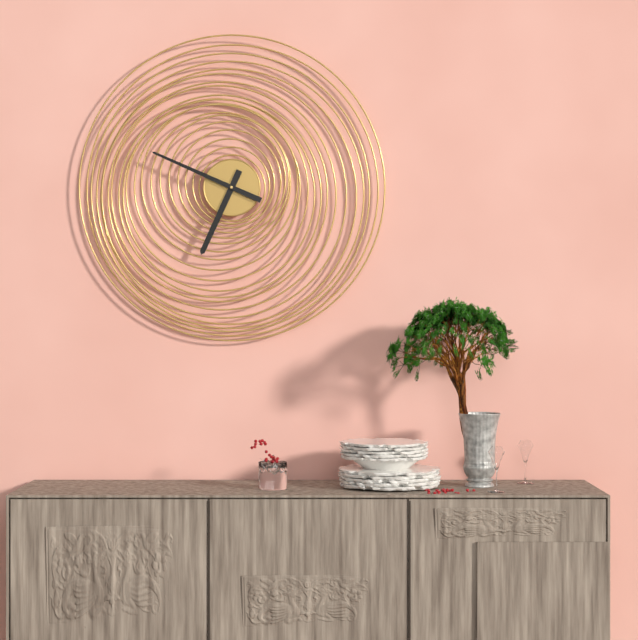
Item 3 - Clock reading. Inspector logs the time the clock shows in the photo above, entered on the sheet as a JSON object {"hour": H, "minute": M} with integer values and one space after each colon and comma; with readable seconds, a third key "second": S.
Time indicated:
{"hour": 6, "minute": 49}
